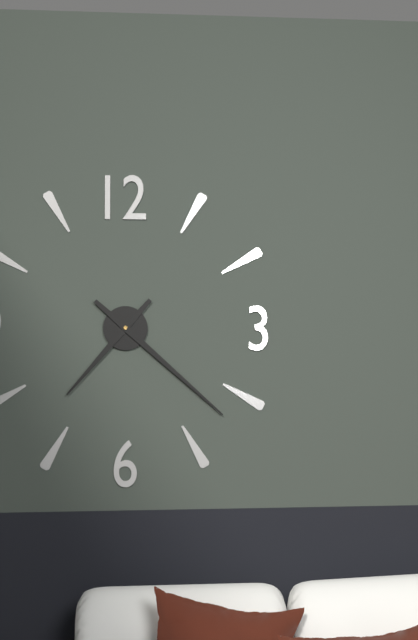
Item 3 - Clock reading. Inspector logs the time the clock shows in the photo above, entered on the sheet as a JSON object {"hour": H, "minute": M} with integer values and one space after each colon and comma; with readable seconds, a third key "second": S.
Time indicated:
{"hour": 7, "minute": 22}
